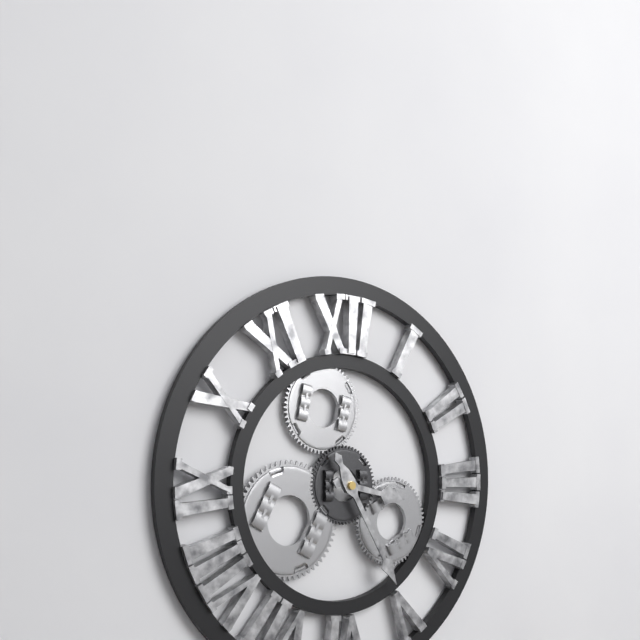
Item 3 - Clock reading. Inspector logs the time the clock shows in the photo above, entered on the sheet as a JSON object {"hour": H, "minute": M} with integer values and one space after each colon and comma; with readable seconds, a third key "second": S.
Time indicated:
{"hour": 3, "minute": 25}
